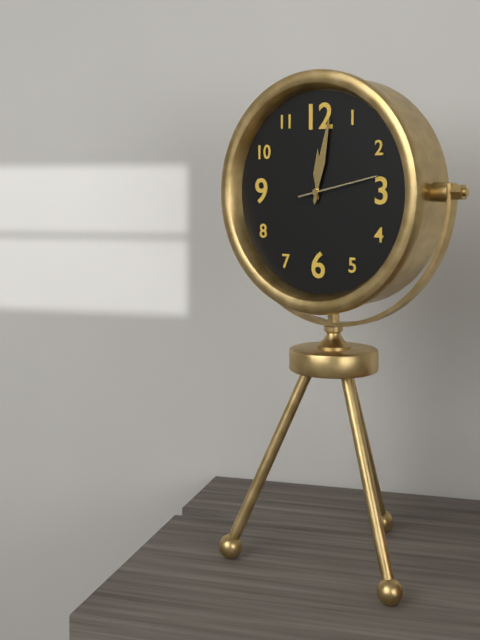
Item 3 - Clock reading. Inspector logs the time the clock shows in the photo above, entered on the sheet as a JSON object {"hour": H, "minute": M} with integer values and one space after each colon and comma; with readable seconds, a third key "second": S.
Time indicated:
{"hour": 12, "minute": 2, "second": 13}
